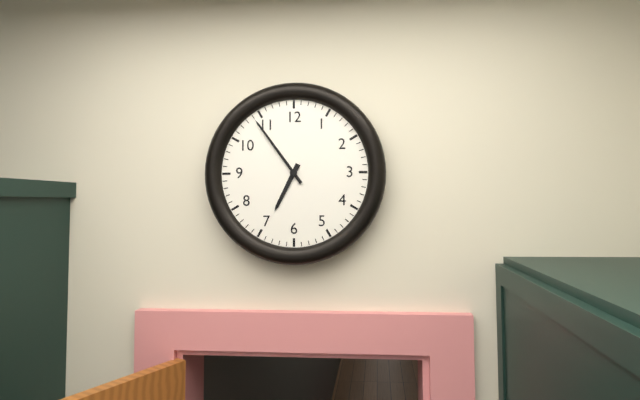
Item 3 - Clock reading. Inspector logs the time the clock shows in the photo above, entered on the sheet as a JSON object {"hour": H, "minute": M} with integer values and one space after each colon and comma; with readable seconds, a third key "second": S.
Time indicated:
{"hour": 6, "minute": 54}
